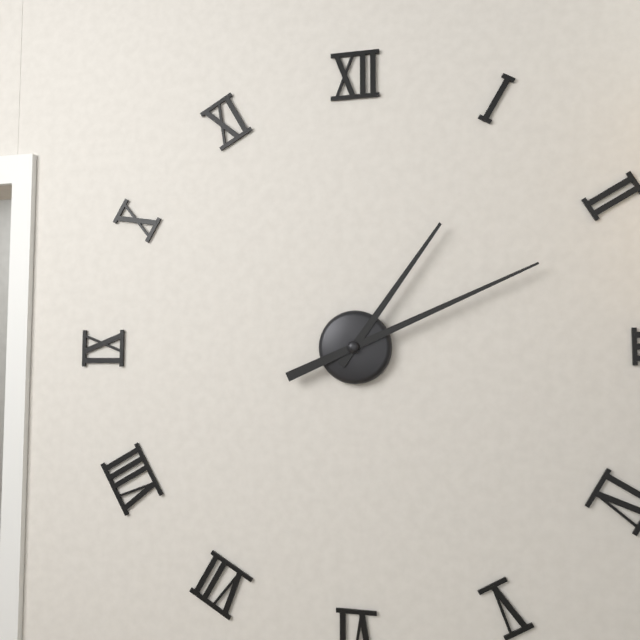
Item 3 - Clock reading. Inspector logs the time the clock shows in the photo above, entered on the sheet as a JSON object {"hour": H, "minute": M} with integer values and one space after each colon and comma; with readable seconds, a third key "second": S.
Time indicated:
{"hour": 1, "minute": 11}
